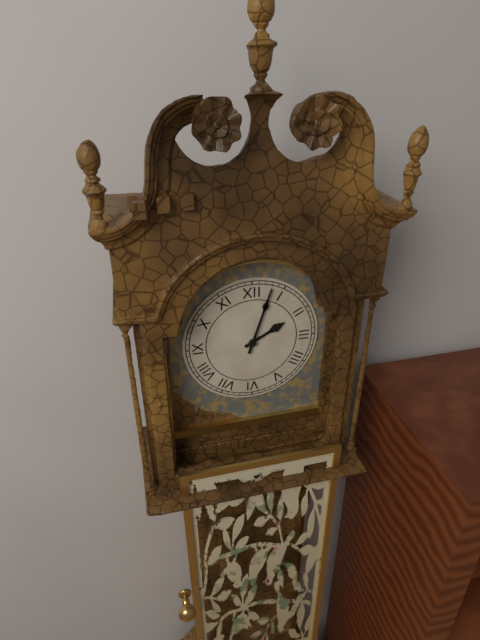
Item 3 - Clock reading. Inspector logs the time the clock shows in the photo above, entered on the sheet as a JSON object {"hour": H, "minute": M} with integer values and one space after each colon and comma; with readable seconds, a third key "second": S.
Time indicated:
{"hour": 2, "minute": 3}
